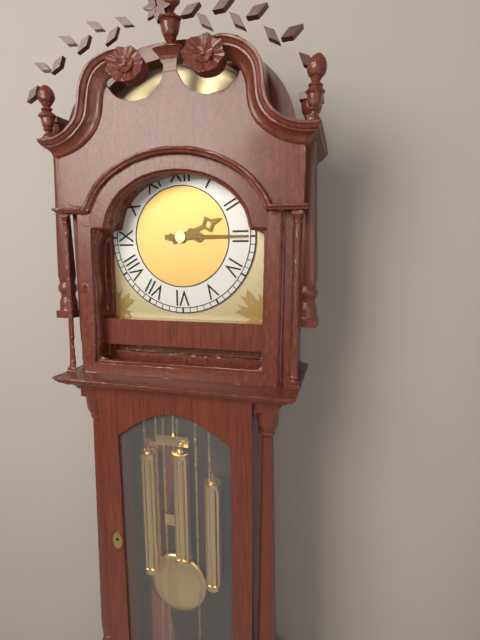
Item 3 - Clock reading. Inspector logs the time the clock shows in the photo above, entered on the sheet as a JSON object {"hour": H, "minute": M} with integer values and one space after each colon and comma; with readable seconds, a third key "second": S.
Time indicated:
{"hour": 2, "minute": 15}
